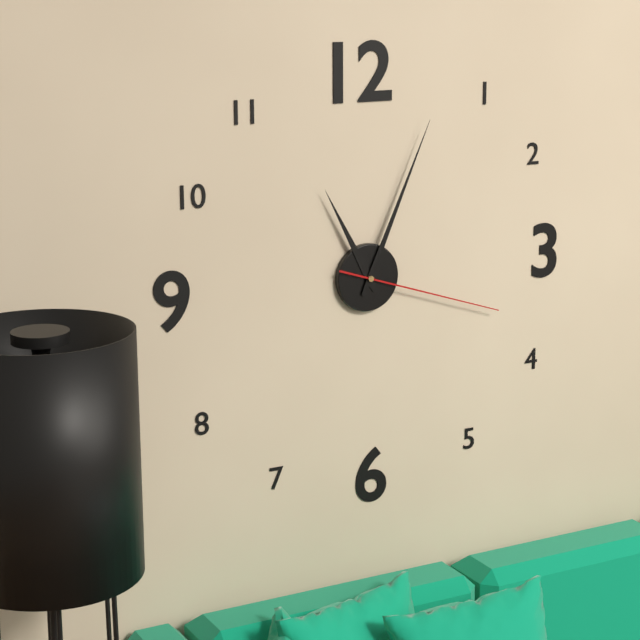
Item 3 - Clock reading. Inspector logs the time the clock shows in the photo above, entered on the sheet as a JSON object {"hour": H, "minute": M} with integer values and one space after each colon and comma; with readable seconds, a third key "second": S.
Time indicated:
{"hour": 11, "minute": 4, "second": 18}
